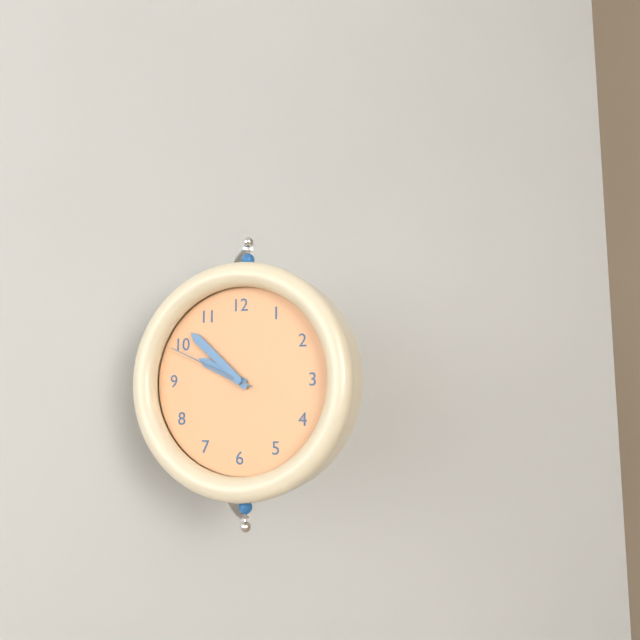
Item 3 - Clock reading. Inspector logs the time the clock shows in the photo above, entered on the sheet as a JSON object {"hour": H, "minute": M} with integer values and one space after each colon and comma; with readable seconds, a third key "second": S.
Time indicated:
{"hour": 9, "minute": 52, "second": 49}
